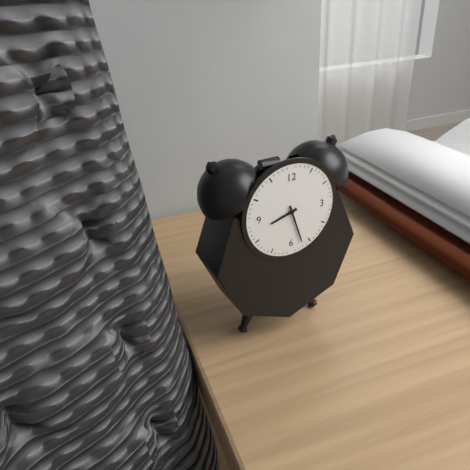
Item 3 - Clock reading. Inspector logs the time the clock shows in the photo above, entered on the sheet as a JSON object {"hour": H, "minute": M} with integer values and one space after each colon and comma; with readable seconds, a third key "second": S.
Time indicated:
{"hour": 8, "minute": 27}
